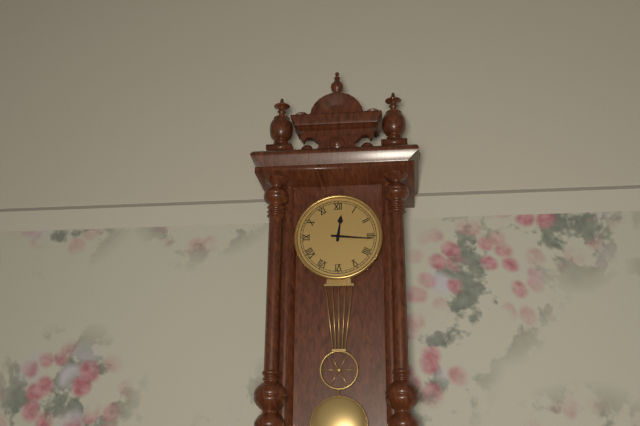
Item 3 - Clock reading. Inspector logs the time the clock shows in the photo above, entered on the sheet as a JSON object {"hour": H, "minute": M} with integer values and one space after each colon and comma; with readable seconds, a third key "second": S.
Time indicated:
{"hour": 12, "minute": 16}
